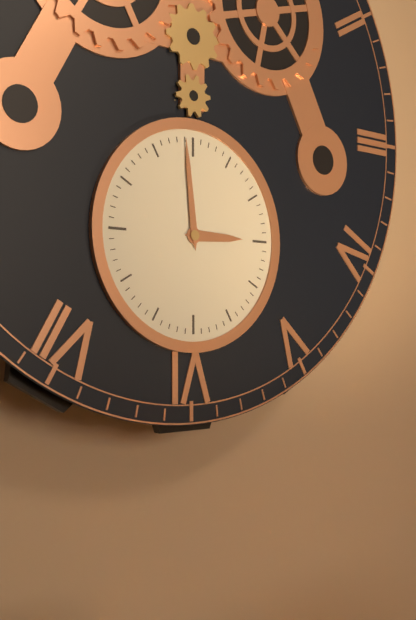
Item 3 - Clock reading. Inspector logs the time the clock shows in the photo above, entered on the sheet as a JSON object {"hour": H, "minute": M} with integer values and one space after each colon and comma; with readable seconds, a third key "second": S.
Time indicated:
{"hour": 2, "minute": 59}
